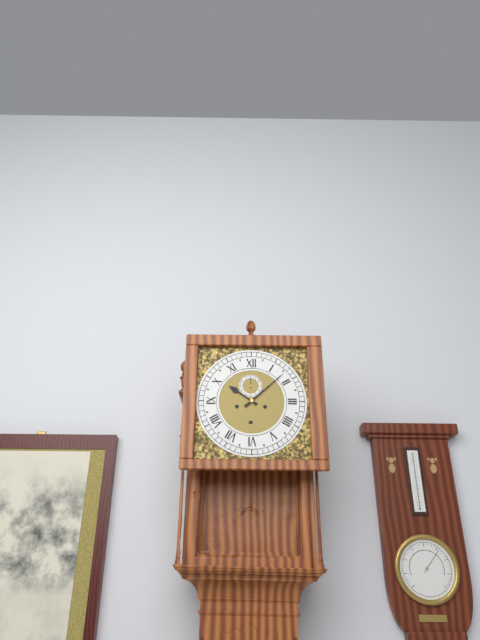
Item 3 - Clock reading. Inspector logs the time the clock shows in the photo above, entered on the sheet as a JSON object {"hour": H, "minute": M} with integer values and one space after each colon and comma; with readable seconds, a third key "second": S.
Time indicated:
{"hour": 10, "minute": 8}
